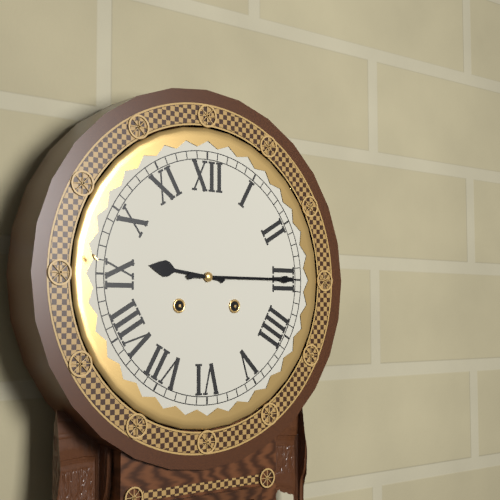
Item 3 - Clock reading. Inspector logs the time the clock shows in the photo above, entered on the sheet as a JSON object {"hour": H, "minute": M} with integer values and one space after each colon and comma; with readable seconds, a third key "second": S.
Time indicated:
{"hour": 9, "minute": 15}
